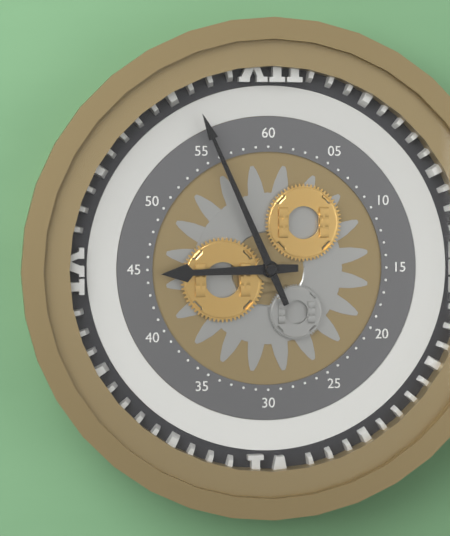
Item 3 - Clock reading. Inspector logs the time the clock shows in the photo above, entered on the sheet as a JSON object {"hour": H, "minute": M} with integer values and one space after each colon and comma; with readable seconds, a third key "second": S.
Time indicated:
{"hour": 8, "minute": 56}
